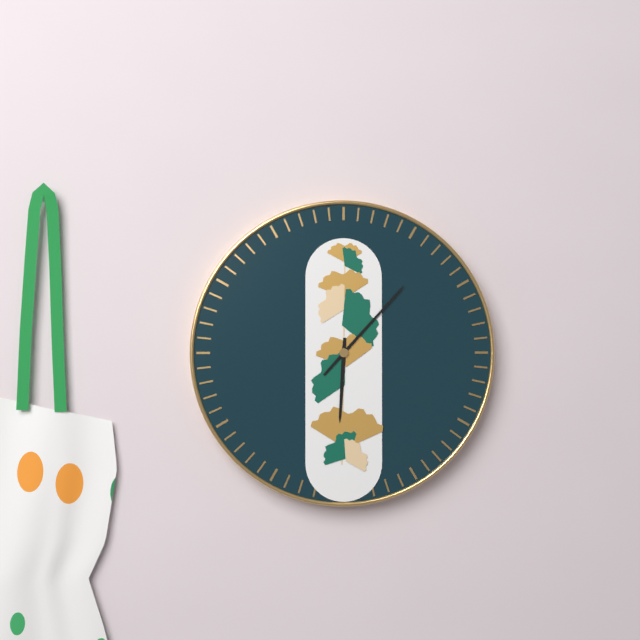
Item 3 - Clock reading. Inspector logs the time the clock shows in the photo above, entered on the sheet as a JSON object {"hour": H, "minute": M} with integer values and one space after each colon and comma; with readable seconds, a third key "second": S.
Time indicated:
{"hour": 6, "minute": 7}
